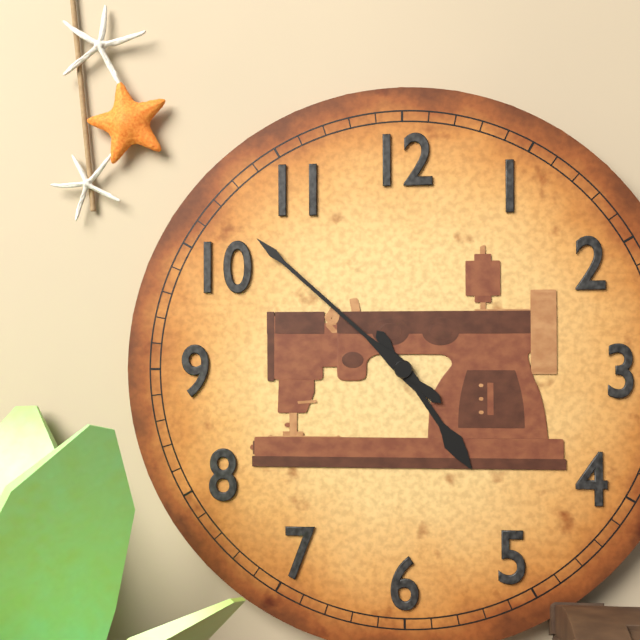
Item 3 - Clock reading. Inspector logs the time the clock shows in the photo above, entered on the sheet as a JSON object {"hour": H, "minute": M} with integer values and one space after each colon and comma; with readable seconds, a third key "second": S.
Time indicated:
{"hour": 4, "minute": 52}
